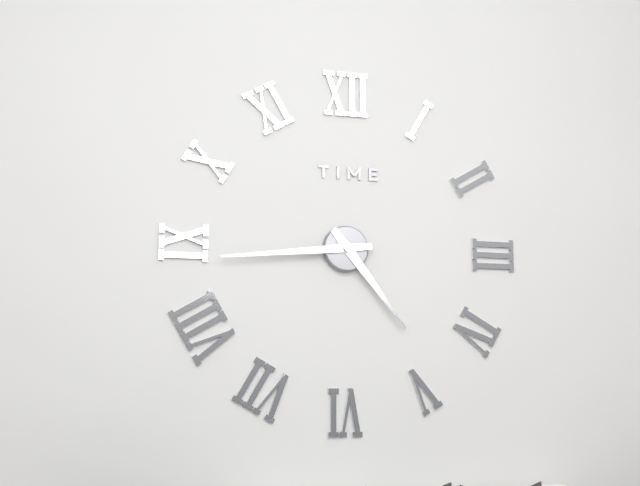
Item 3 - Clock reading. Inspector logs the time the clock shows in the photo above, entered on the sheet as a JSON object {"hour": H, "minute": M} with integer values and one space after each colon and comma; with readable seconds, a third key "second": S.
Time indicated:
{"hour": 4, "minute": 44}
